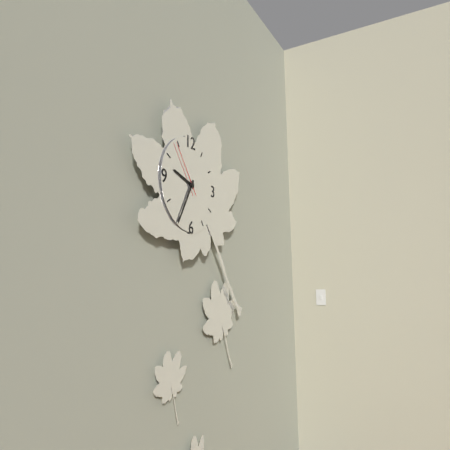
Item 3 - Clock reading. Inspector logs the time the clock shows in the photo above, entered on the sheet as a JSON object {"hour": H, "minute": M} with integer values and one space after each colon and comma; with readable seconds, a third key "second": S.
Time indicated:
{"hour": 9, "minute": 35, "second": 54}
